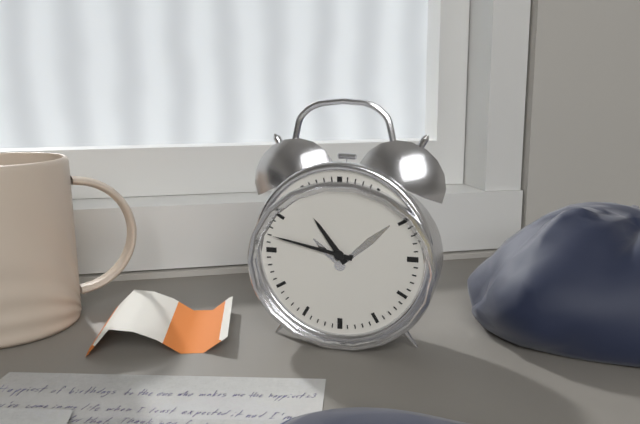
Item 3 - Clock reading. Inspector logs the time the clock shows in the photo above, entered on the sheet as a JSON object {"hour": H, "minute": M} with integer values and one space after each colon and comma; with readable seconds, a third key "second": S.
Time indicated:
{"hour": 10, "minute": 47}
